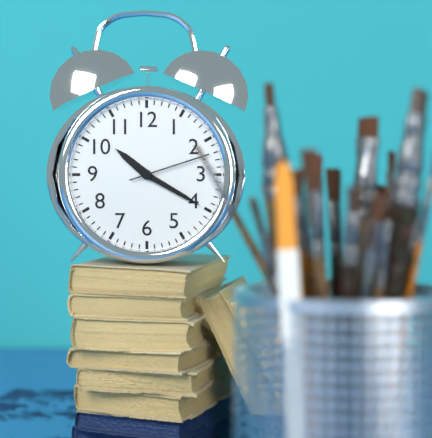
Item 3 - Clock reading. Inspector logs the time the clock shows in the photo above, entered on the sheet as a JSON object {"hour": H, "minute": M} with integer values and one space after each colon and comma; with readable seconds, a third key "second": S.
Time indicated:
{"hour": 10, "minute": 20, "second": 12}
